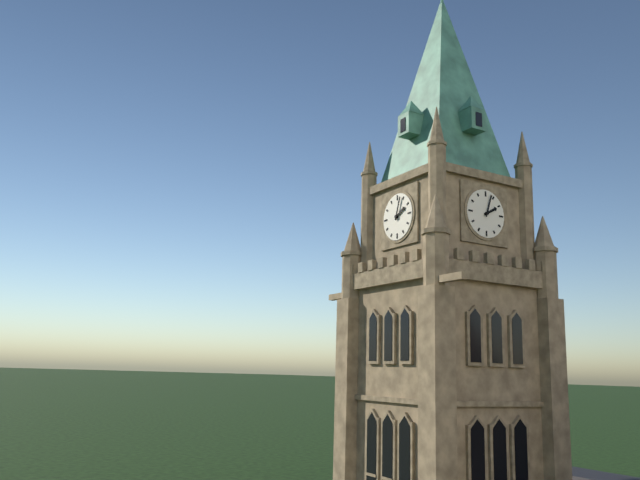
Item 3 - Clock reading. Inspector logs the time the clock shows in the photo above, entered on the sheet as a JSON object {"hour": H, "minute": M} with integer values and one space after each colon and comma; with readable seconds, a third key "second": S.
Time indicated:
{"hour": 2, "minute": 3}
